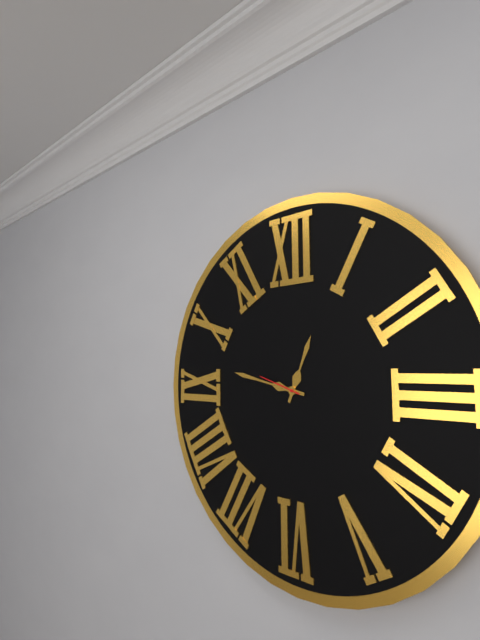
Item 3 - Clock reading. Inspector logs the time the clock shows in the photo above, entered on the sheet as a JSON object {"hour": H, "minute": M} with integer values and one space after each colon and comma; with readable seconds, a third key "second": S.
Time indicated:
{"hour": 12, "minute": 47}
